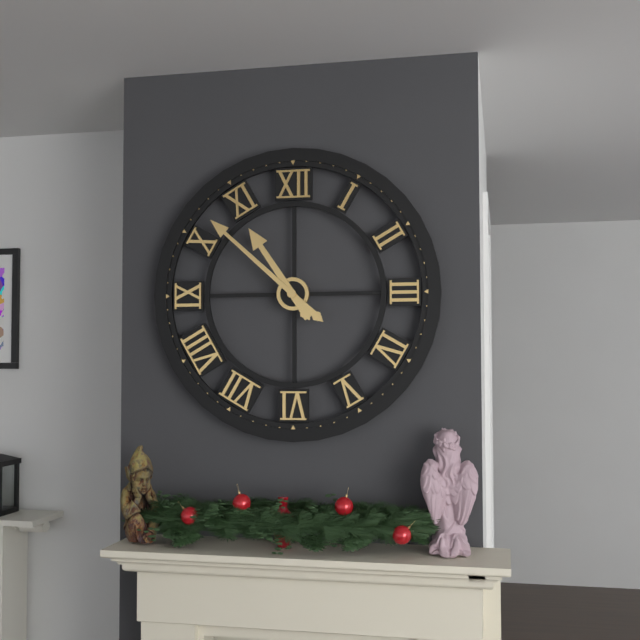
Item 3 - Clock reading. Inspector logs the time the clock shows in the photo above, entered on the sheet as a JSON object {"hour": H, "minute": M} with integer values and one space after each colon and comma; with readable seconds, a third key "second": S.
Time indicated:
{"hour": 10, "minute": 52}
